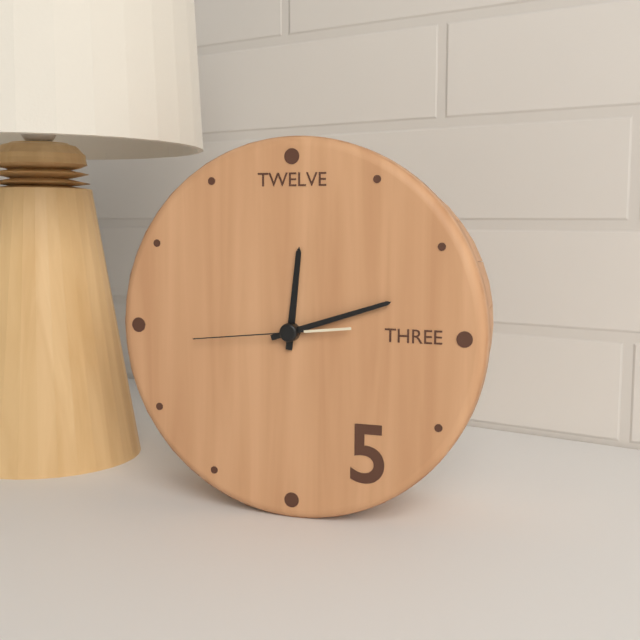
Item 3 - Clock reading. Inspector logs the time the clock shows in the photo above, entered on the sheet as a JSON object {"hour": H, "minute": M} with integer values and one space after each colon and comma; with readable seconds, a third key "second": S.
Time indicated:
{"hour": 12, "minute": 12, "second": 44}
